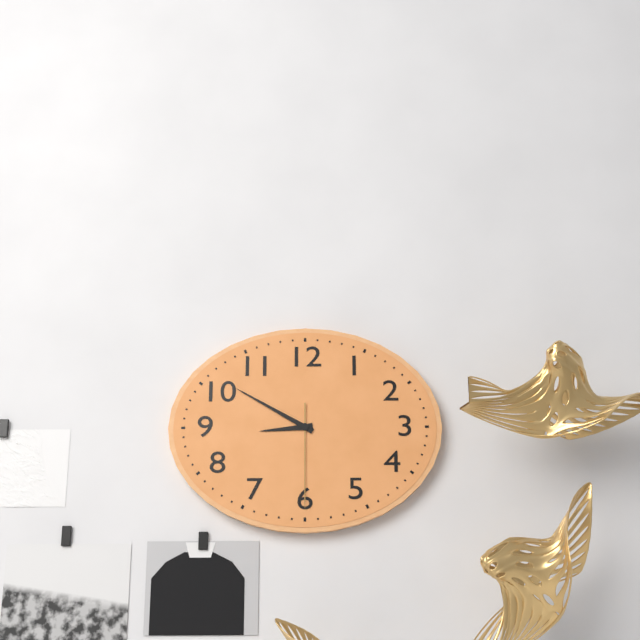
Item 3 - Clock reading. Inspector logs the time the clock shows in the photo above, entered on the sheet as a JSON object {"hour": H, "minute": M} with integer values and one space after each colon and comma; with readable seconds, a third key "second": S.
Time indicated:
{"hour": 8, "minute": 50, "second": 30}
